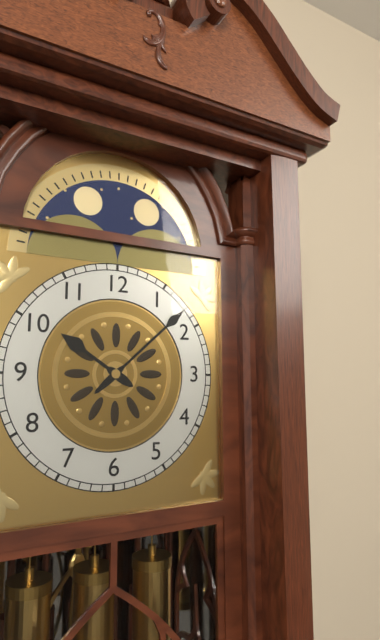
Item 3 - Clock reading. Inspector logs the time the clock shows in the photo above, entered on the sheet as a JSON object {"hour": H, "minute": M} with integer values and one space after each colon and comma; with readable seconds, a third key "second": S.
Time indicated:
{"hour": 10, "minute": 8}
